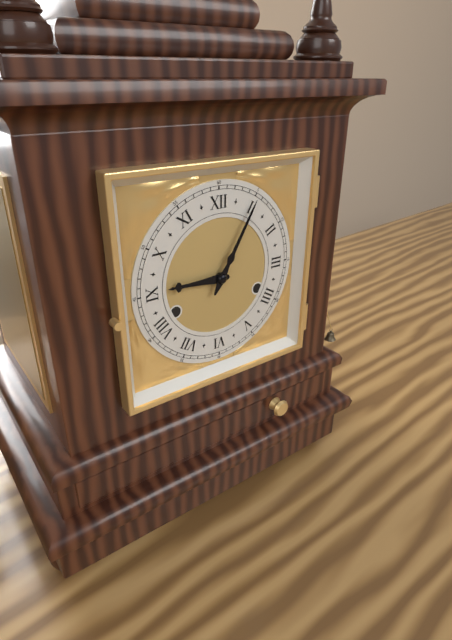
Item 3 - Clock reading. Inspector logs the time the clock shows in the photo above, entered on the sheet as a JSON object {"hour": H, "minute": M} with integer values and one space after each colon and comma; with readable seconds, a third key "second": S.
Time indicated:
{"hour": 9, "minute": 5}
